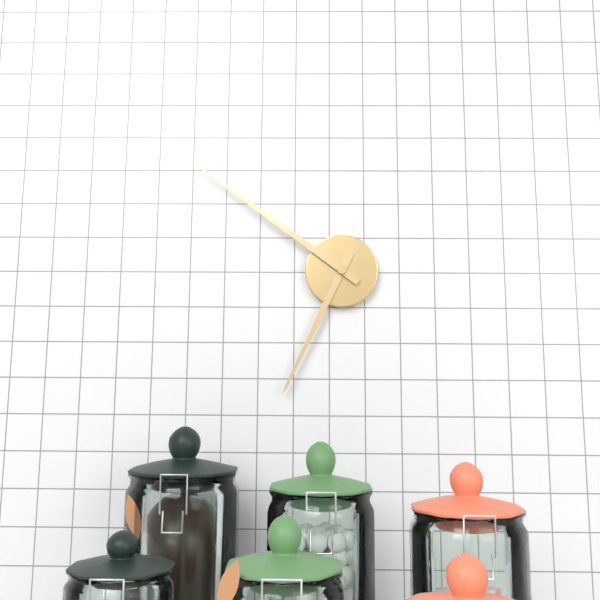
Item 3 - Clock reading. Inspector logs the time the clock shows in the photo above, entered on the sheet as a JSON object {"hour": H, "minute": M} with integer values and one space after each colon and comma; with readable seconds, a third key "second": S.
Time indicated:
{"hour": 6, "minute": 51}
